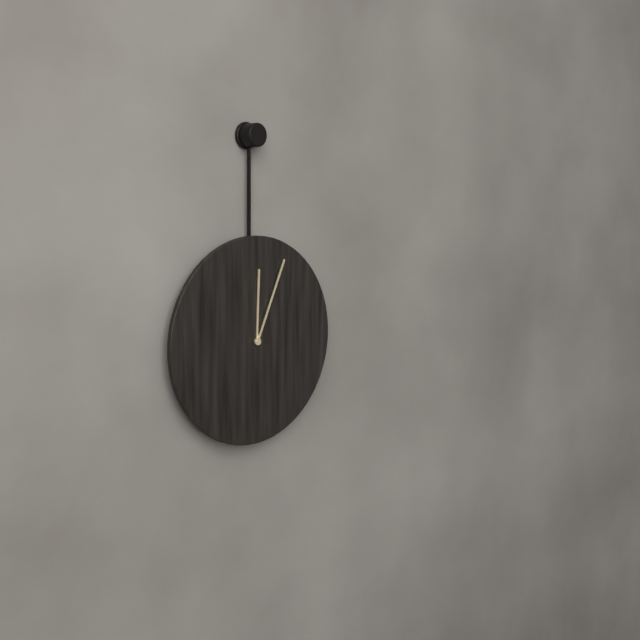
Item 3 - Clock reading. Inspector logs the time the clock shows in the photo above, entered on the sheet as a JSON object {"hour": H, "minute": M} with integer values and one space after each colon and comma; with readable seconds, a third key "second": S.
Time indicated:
{"hour": 12, "minute": 4}
